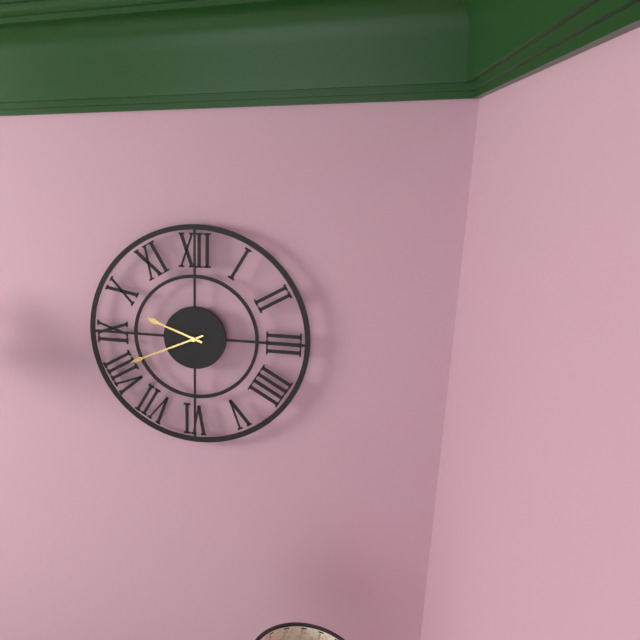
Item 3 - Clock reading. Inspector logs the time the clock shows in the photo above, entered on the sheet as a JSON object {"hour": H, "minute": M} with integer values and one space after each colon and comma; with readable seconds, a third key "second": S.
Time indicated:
{"hour": 9, "minute": 41}
